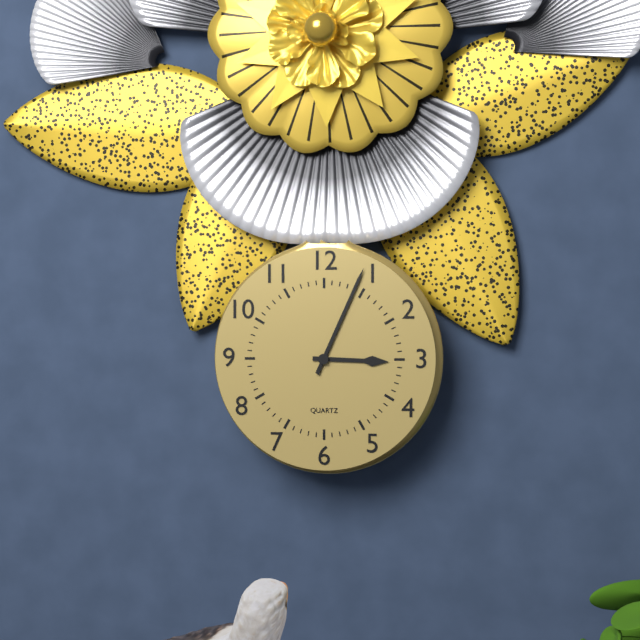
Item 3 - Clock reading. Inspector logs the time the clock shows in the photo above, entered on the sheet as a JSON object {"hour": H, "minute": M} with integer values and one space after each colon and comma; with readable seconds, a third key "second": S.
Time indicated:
{"hour": 3, "minute": 4}
